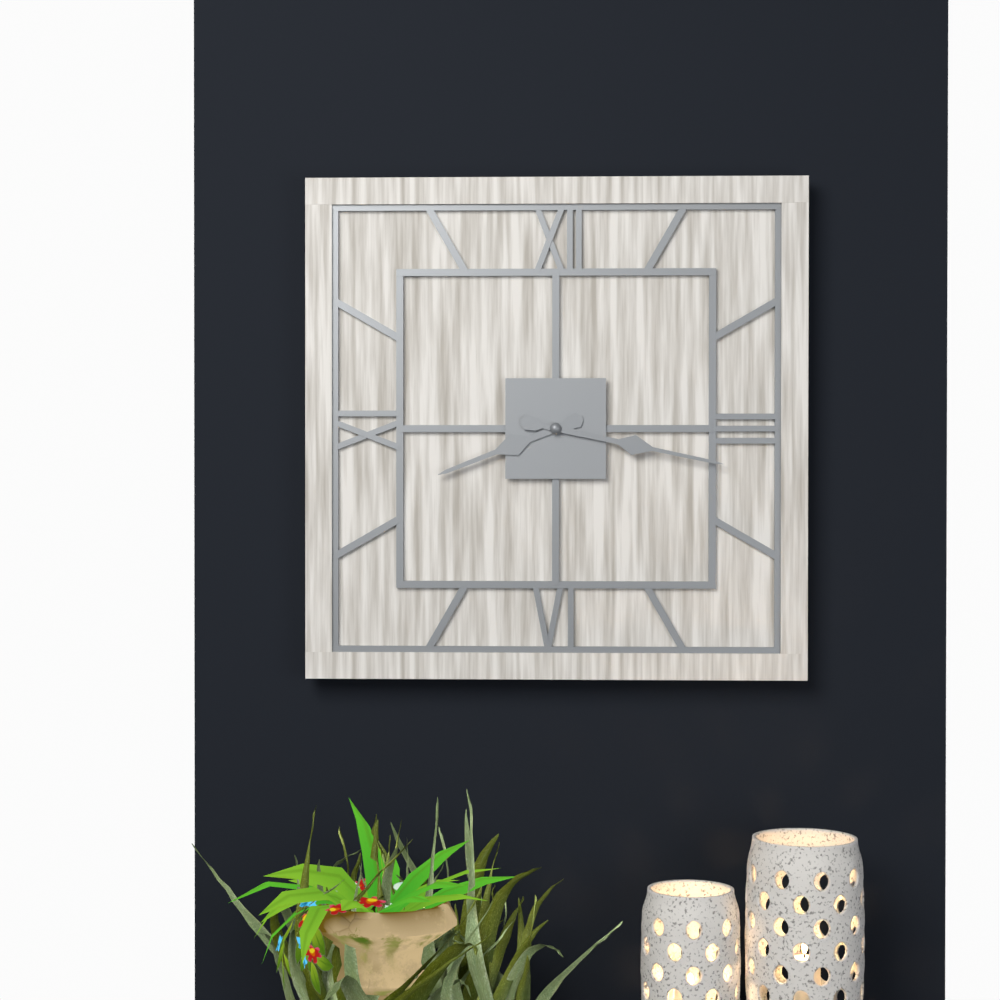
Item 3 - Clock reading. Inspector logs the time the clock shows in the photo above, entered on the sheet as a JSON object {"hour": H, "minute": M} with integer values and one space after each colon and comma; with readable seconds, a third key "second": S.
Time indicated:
{"hour": 8, "minute": 17}
